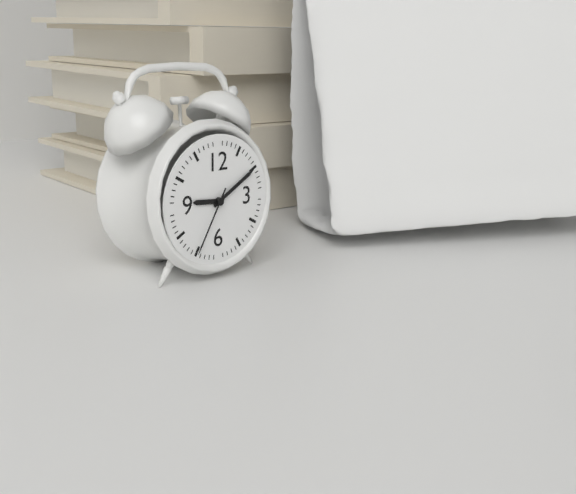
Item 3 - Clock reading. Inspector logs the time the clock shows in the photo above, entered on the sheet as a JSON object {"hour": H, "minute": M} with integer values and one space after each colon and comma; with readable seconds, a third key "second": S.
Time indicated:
{"hour": 9, "minute": 10, "second": 35}
